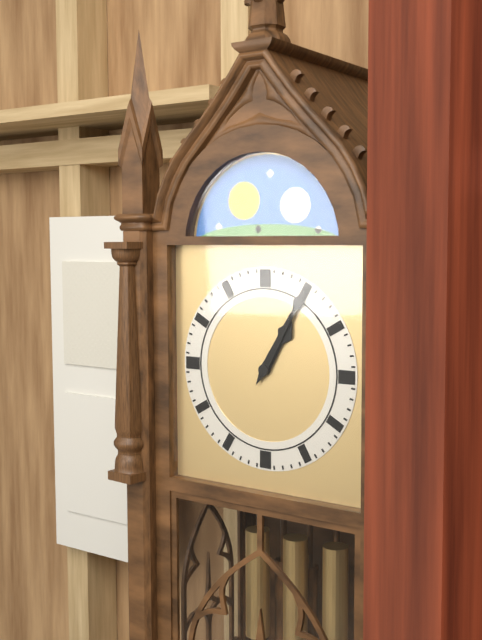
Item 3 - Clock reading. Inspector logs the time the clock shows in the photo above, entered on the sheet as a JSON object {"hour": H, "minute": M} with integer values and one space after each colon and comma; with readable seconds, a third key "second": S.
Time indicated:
{"hour": 1, "minute": 5}
